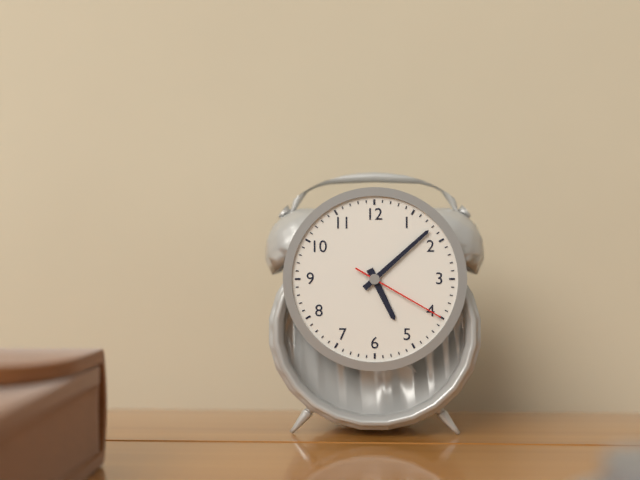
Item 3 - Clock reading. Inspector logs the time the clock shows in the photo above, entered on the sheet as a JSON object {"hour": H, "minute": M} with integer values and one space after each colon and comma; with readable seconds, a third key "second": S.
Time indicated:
{"hour": 5, "minute": 8, "second": 20}
